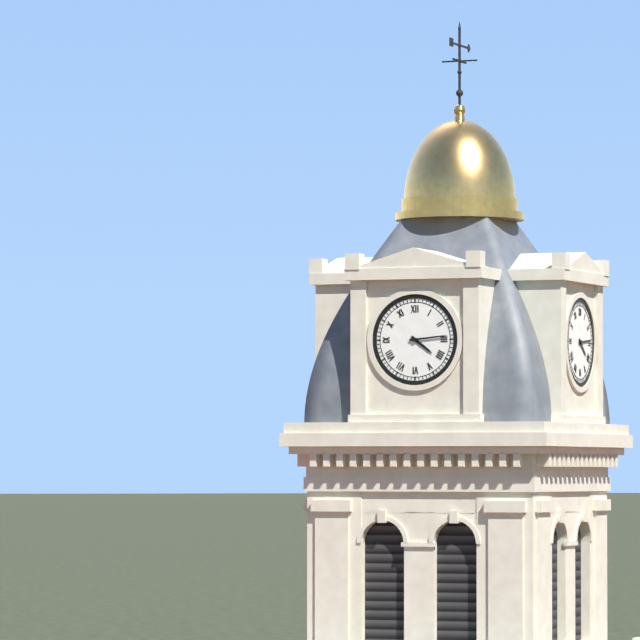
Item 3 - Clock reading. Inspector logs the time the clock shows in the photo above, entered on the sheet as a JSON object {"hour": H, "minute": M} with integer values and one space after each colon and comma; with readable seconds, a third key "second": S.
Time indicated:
{"hour": 4, "minute": 14}
